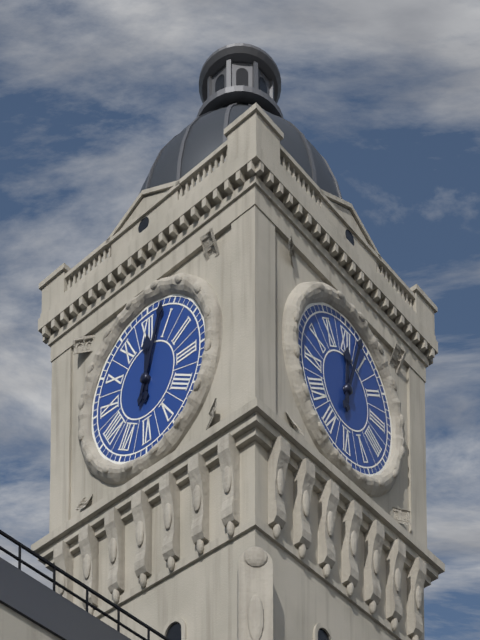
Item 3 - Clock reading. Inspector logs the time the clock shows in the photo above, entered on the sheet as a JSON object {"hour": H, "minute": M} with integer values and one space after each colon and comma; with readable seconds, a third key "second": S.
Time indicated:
{"hour": 12, "minute": 3}
